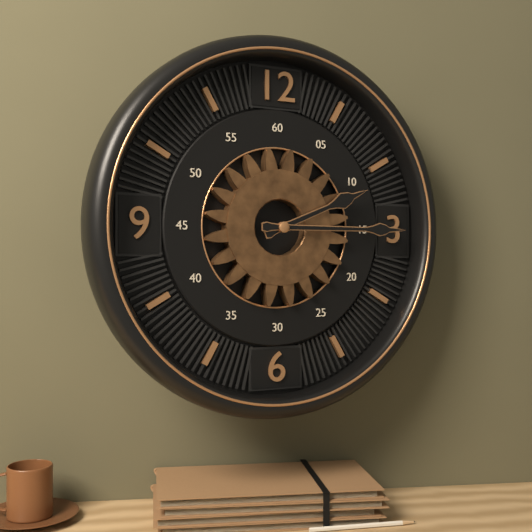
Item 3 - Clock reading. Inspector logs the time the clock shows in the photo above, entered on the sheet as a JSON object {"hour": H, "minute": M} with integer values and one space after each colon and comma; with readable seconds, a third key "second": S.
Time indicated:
{"hour": 2, "minute": 15}
